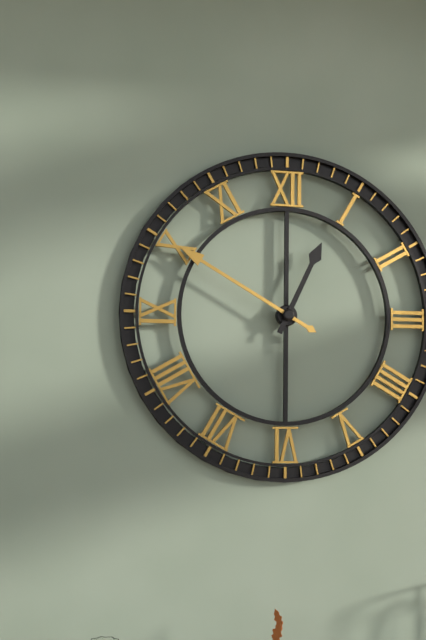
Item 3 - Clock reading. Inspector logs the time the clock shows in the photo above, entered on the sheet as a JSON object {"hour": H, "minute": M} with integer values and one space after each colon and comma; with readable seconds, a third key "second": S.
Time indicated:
{"hour": 12, "minute": 50}
